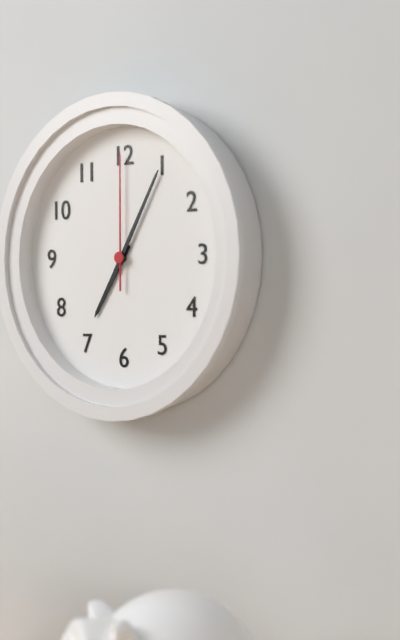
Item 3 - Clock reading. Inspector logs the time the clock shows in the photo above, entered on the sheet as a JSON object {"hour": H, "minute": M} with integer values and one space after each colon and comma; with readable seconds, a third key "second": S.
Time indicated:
{"hour": 7, "minute": 5, "second": 0}
